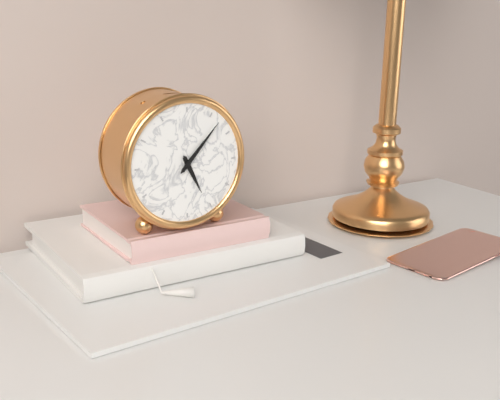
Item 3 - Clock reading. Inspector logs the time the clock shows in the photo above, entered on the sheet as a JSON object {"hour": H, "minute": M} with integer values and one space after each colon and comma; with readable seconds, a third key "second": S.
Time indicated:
{"hour": 5, "minute": 7}
